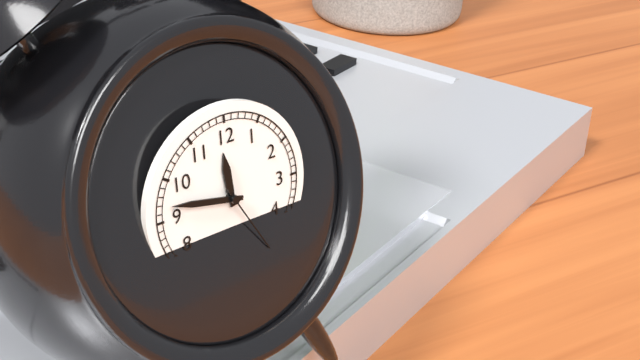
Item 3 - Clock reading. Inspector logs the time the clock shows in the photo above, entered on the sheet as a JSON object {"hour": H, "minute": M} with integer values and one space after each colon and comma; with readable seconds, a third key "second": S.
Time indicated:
{"hour": 11, "minute": 47, "second": 25}
